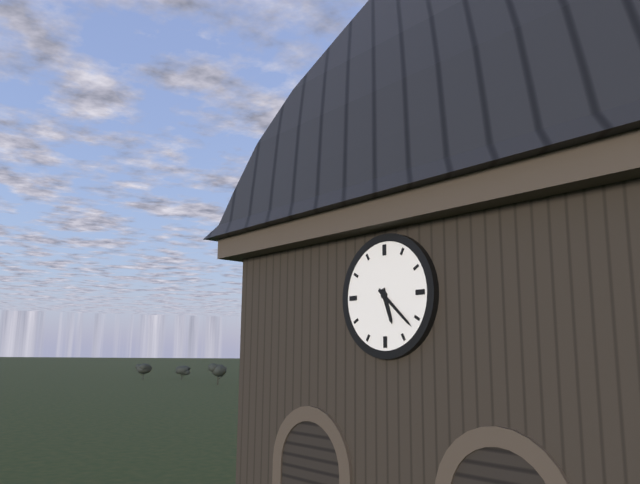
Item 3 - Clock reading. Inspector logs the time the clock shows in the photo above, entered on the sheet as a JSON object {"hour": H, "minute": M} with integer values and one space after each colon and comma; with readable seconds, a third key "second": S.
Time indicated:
{"hour": 5, "minute": 22}
